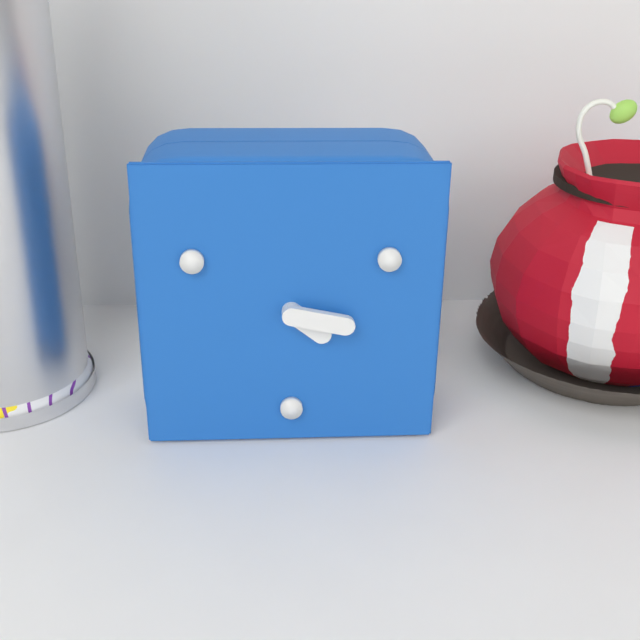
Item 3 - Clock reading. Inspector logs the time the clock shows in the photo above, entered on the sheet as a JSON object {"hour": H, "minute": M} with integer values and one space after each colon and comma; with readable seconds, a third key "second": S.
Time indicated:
{"hour": 4, "minute": 17}
